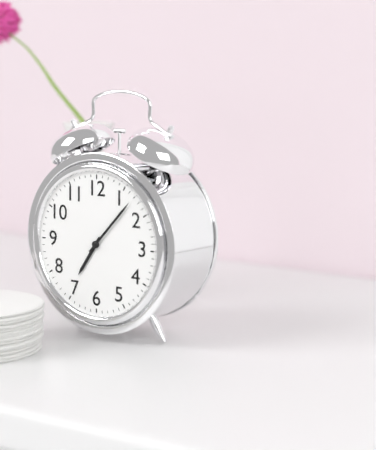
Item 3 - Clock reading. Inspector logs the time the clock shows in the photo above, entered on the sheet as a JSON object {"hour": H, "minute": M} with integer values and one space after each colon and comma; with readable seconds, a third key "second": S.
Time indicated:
{"hour": 7, "minute": 7}
